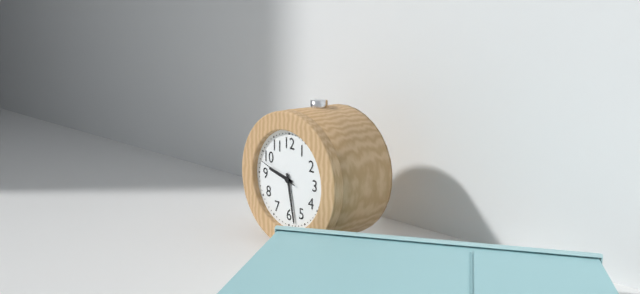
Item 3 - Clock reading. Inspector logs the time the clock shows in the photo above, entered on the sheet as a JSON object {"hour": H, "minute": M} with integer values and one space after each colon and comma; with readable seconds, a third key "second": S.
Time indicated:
{"hour": 9, "minute": 28}
